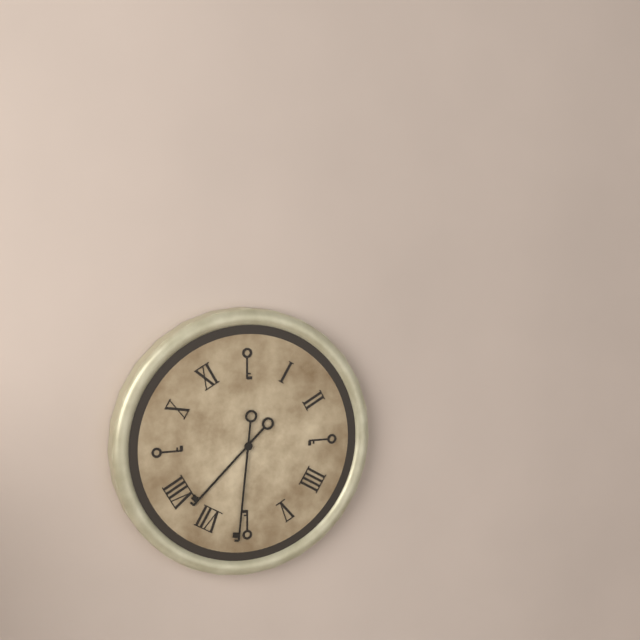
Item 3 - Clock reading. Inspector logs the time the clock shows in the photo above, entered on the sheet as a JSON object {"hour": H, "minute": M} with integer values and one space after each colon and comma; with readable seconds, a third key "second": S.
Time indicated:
{"hour": 7, "minute": 31}
